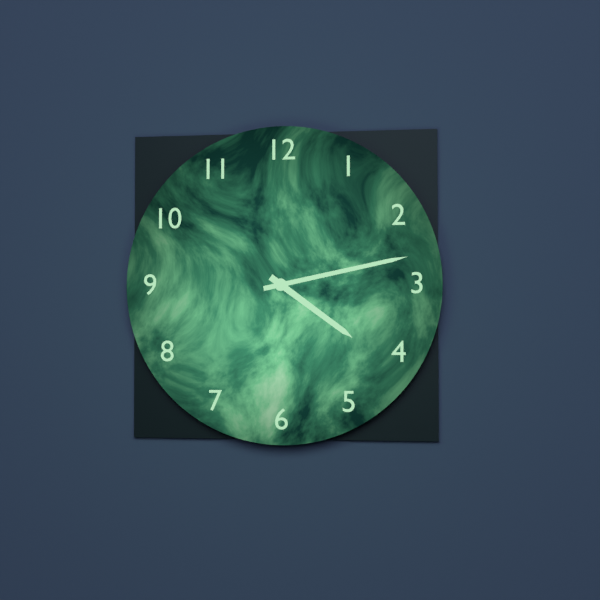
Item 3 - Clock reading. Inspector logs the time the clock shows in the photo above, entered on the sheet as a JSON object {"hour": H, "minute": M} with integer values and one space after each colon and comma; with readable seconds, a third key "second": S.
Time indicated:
{"hour": 4, "minute": 13}
